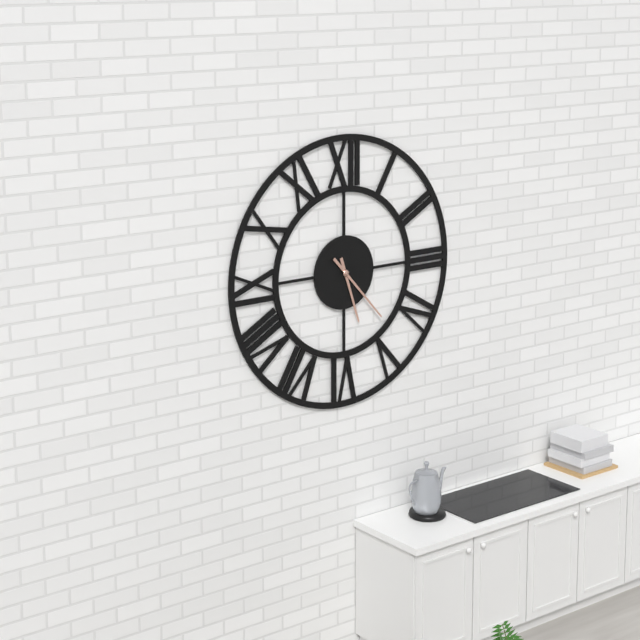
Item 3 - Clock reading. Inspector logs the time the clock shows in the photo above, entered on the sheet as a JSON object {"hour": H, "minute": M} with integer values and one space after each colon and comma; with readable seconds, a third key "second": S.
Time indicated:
{"hour": 5, "minute": 23}
